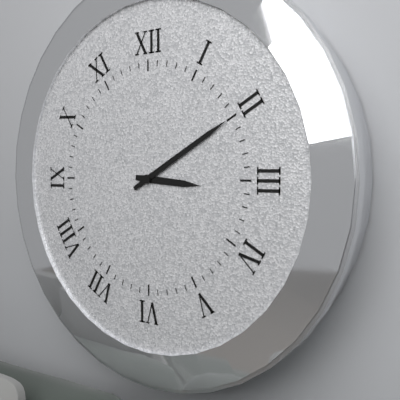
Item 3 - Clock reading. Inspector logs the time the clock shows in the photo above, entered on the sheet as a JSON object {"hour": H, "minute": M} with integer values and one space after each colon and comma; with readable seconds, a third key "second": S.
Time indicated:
{"hour": 3, "minute": 10}
